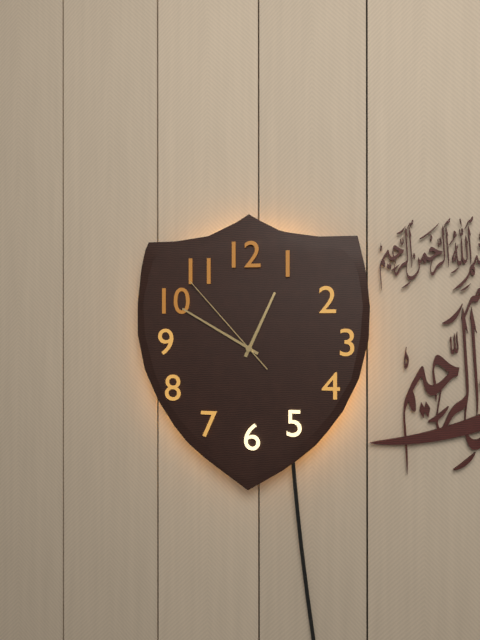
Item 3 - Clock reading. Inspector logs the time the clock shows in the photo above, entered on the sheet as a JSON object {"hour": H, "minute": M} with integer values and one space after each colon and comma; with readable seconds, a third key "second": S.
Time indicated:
{"hour": 12, "minute": 50, "second": 53}
